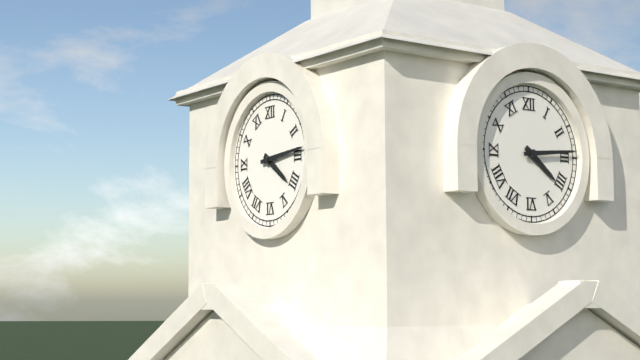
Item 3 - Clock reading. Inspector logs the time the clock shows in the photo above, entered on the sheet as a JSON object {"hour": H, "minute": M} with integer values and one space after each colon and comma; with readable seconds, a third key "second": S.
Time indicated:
{"hour": 4, "minute": 14}
